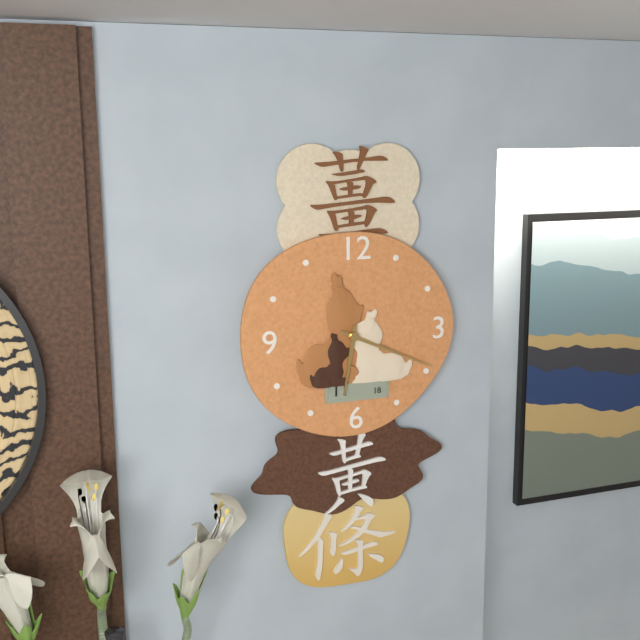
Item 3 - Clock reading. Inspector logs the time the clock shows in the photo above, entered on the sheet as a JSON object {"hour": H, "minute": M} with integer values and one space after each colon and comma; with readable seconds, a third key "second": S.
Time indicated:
{"hour": 6, "minute": 19}
